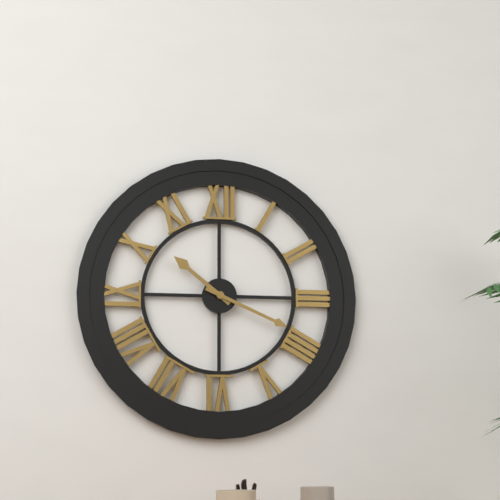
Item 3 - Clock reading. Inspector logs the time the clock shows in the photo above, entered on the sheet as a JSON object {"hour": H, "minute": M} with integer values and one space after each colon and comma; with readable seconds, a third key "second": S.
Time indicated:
{"hour": 10, "minute": 19}
